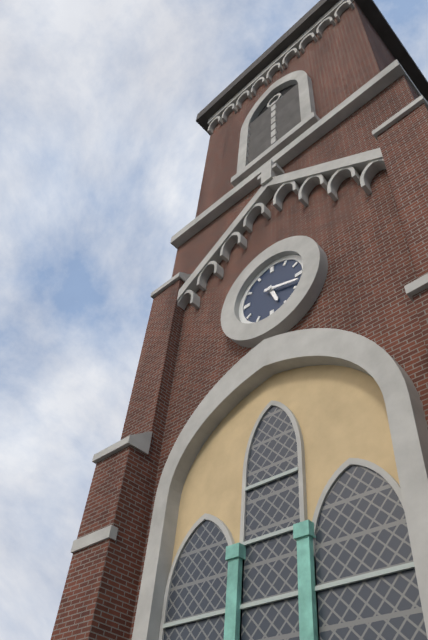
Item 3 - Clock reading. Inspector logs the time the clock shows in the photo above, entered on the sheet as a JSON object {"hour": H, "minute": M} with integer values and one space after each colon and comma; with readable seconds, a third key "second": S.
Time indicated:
{"hour": 5, "minute": 18}
